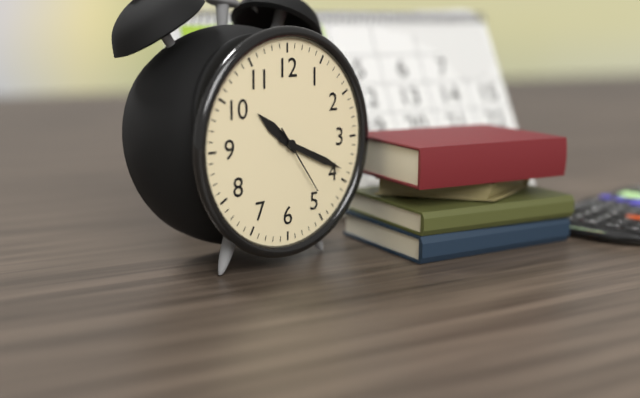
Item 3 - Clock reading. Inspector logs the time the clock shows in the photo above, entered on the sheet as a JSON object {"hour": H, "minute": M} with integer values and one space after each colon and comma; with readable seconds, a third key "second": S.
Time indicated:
{"hour": 10, "minute": 19, "second": 24}
